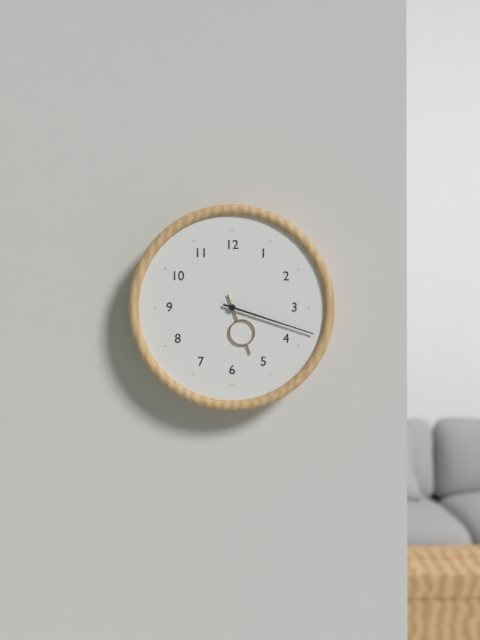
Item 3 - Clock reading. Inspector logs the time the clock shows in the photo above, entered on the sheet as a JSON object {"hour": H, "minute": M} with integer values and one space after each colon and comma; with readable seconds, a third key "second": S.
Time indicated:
{"hour": 5, "minute": 18}
